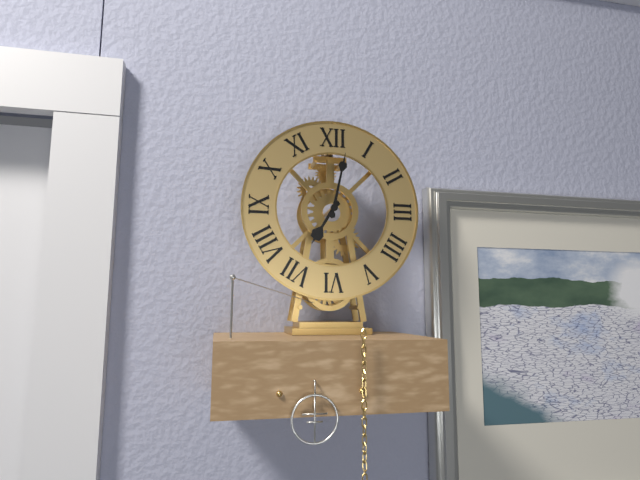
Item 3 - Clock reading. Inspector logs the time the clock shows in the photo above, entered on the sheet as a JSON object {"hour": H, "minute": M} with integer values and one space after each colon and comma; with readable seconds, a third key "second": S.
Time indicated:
{"hour": 7, "minute": 2}
